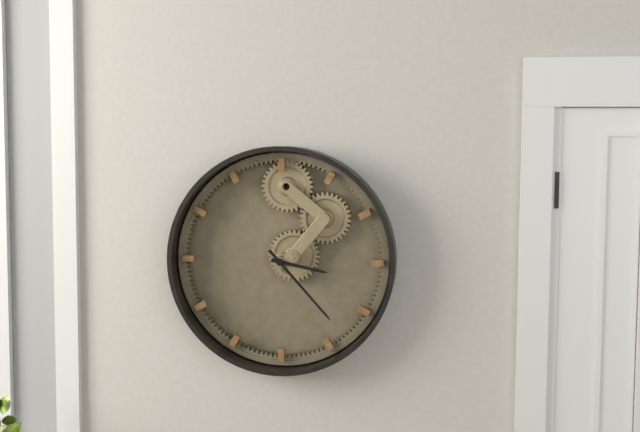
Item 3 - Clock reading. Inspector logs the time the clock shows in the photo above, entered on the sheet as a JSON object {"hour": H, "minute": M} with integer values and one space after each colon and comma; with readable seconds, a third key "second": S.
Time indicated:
{"hour": 3, "minute": 23}
